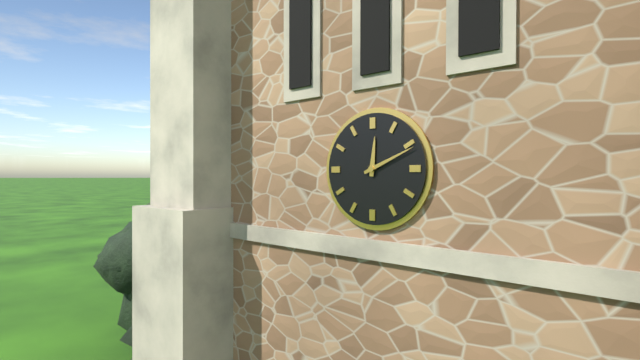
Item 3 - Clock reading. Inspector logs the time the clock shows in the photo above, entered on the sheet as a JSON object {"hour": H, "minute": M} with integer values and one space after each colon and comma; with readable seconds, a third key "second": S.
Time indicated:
{"hour": 12, "minute": 11}
